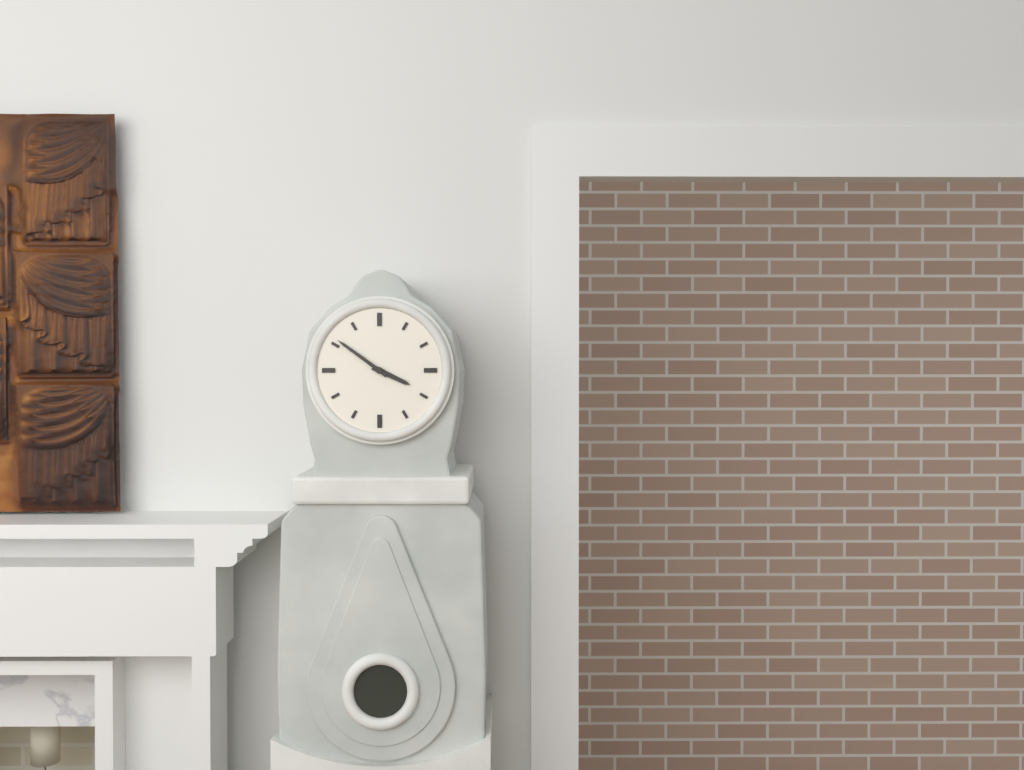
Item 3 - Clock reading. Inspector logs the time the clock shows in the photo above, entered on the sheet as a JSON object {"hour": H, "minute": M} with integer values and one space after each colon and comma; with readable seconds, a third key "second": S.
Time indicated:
{"hour": 3, "minute": 51}
